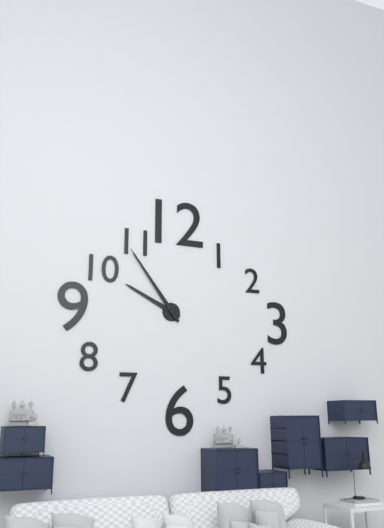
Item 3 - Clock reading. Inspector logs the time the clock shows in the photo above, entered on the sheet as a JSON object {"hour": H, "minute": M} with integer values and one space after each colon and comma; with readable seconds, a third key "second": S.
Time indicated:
{"hour": 9, "minute": 54}
